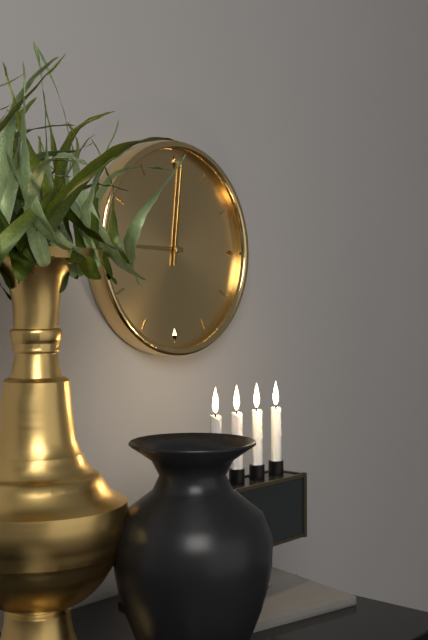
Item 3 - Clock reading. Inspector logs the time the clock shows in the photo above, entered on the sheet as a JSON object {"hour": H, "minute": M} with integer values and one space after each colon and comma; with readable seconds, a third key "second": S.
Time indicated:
{"hour": 9, "minute": 1}
